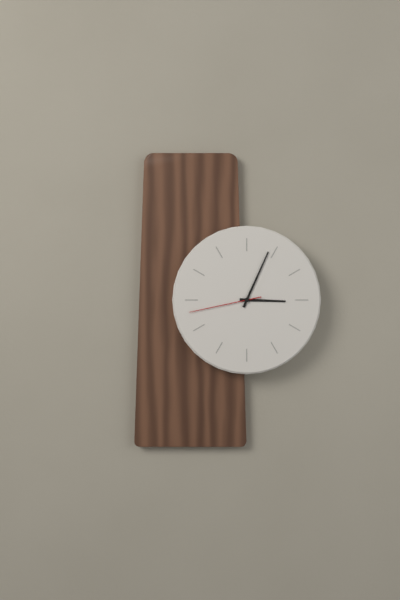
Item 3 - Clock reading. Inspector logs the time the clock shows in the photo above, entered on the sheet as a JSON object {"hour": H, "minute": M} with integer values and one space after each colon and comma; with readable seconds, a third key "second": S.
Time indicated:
{"hour": 3, "minute": 4, "second": 43}
